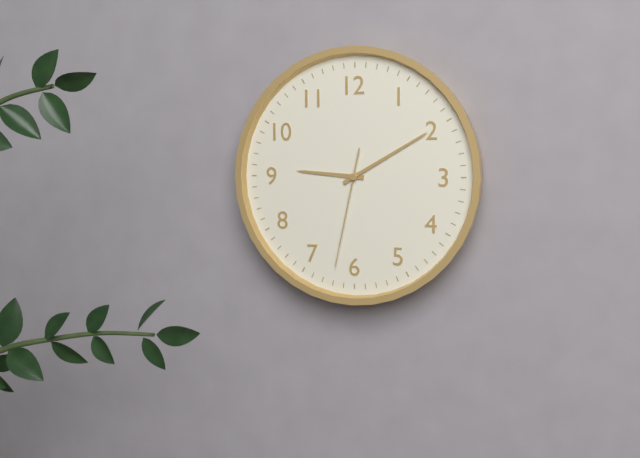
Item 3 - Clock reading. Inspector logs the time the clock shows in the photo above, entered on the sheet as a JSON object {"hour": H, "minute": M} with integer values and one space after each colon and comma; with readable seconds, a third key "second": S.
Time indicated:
{"hour": 9, "minute": 10, "second": 32}
